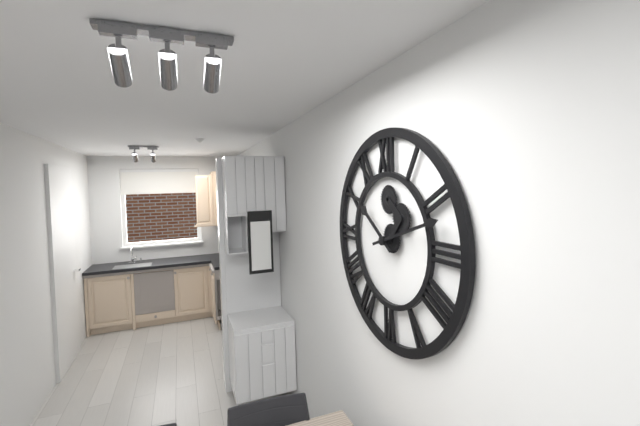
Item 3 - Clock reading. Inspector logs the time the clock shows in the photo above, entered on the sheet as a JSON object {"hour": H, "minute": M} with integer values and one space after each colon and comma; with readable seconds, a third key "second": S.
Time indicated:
{"hour": 10, "minute": 12}
